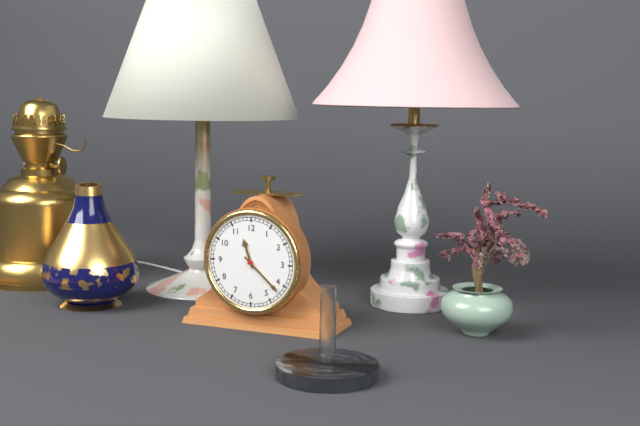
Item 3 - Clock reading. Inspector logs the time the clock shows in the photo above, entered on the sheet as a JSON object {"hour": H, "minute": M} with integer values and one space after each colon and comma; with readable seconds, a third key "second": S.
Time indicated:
{"hour": 11, "minute": 22}
